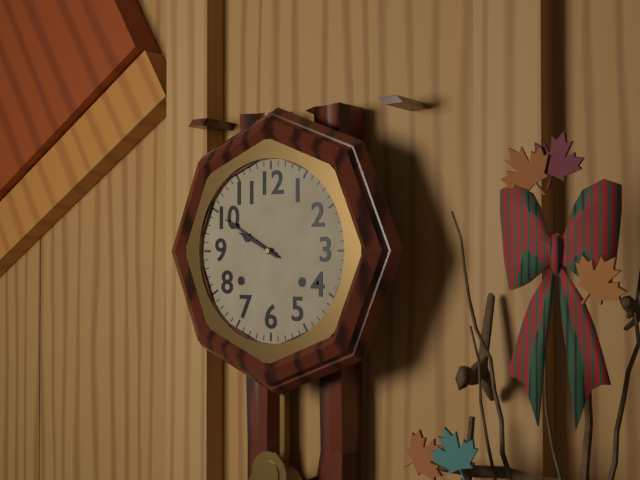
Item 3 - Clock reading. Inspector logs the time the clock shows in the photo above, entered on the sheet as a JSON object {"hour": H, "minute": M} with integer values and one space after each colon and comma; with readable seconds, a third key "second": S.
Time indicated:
{"hour": 9, "minute": 50}
